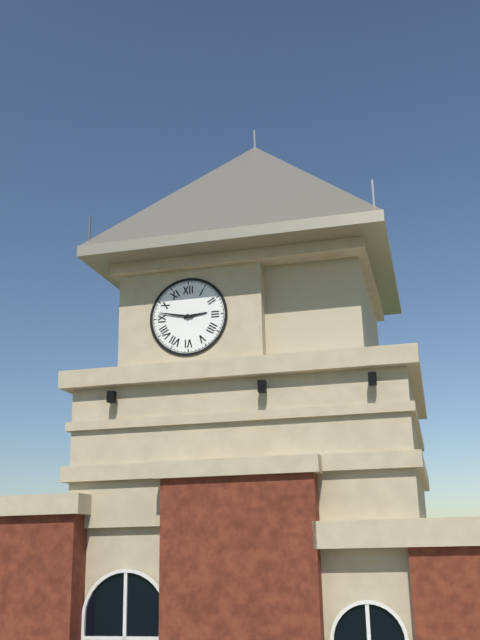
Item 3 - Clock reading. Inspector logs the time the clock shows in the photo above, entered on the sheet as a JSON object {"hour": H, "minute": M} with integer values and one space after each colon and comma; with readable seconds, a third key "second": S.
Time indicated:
{"hour": 2, "minute": 47}
